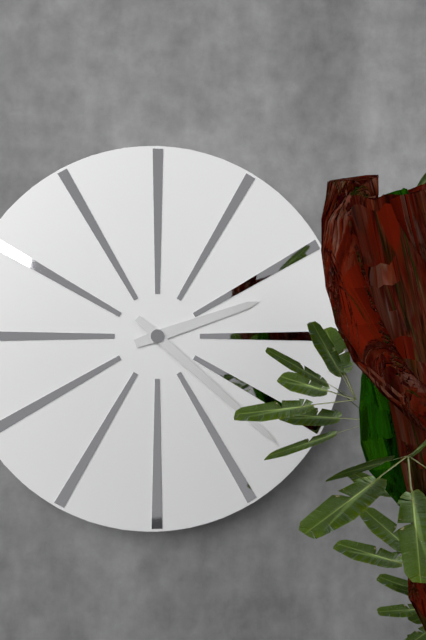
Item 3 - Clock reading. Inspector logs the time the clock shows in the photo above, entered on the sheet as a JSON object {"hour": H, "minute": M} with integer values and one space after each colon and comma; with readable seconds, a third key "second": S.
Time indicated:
{"hour": 2, "minute": 22}
